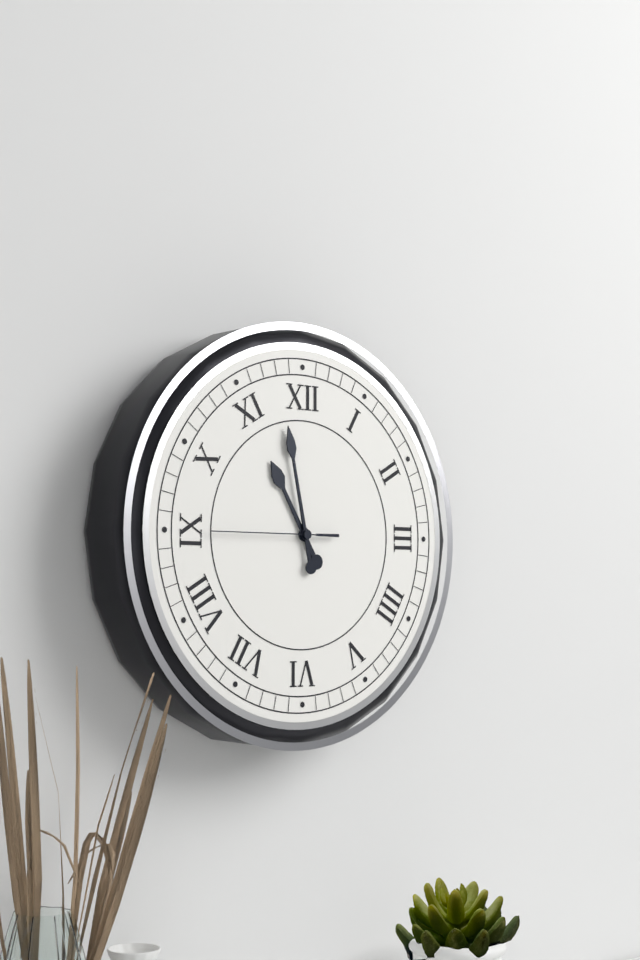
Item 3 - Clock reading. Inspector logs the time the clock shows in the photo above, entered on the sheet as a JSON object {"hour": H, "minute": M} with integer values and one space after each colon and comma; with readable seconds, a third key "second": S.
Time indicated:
{"hour": 10, "minute": 58, "second": 45}
